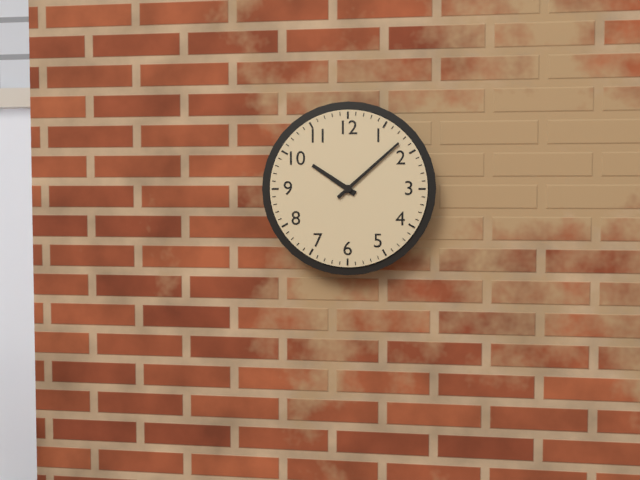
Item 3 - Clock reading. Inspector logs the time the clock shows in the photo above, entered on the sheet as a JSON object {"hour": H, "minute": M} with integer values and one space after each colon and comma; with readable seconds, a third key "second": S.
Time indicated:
{"hour": 10, "minute": 8}
